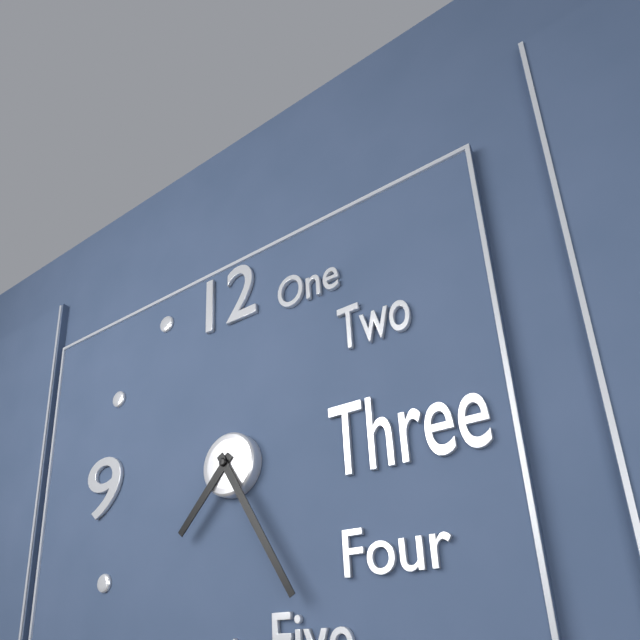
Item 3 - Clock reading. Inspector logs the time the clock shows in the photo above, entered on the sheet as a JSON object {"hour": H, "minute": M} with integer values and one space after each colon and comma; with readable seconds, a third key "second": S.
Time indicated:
{"hour": 7, "minute": 25}
